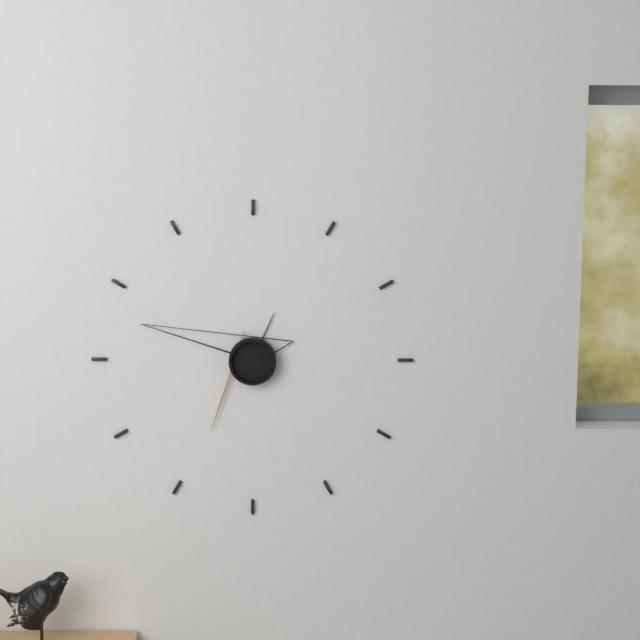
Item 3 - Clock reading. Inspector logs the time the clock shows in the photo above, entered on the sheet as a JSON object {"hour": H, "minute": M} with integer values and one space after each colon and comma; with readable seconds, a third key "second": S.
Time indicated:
{"hour": 12, "minute": 48, "second": 35}
